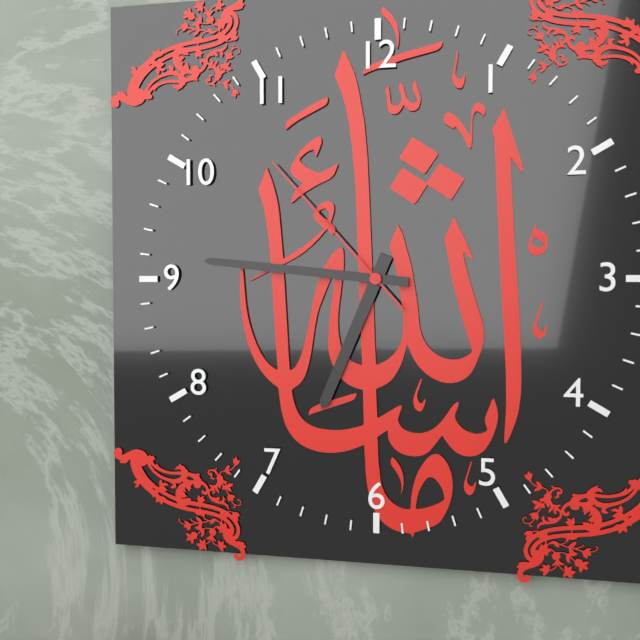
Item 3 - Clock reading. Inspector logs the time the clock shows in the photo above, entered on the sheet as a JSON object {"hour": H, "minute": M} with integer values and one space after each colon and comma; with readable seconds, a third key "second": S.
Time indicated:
{"hour": 6, "minute": 46, "second": 53}
